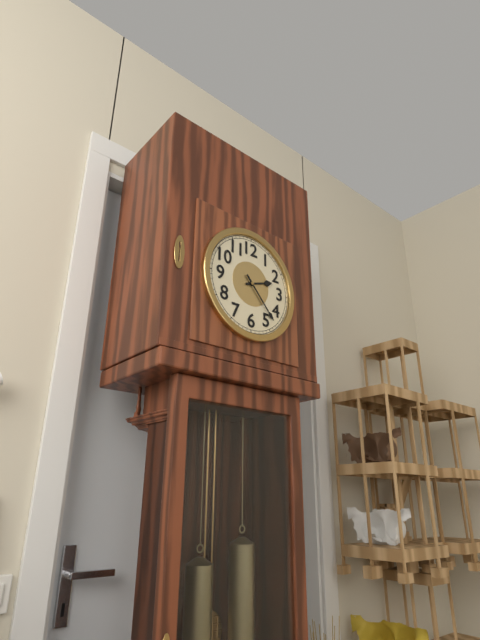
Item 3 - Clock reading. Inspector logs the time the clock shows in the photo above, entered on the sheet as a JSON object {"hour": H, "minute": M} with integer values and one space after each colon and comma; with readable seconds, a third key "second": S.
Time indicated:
{"hour": 2, "minute": 23}
